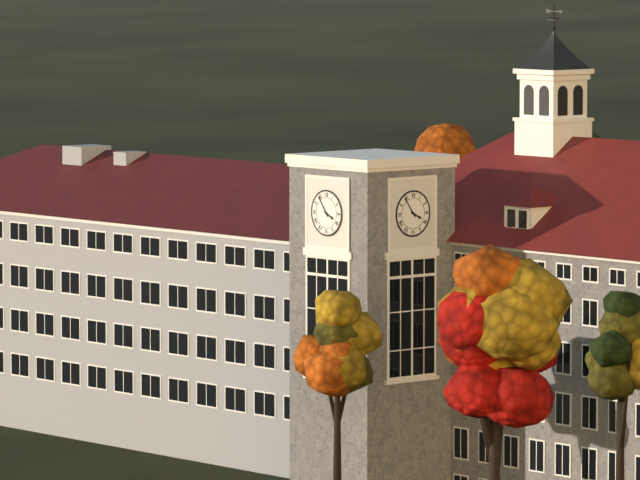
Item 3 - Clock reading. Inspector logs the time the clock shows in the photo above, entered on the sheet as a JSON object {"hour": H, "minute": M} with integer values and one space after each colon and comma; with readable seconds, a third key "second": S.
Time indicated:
{"hour": 3, "minute": 54}
